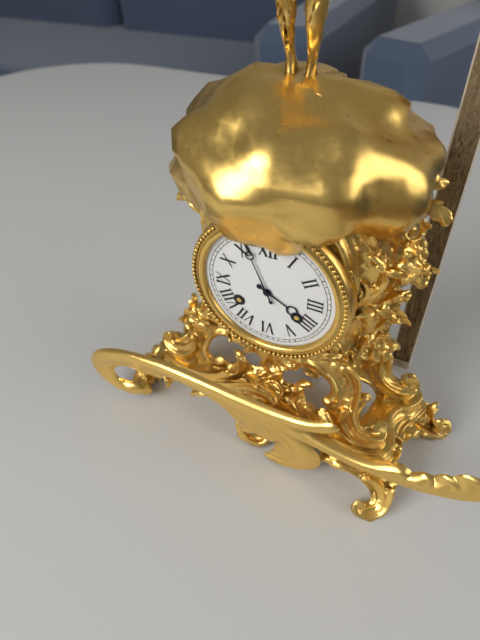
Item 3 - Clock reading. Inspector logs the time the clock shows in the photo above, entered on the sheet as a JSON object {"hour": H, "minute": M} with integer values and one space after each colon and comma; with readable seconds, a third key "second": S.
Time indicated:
{"hour": 3, "minute": 56}
